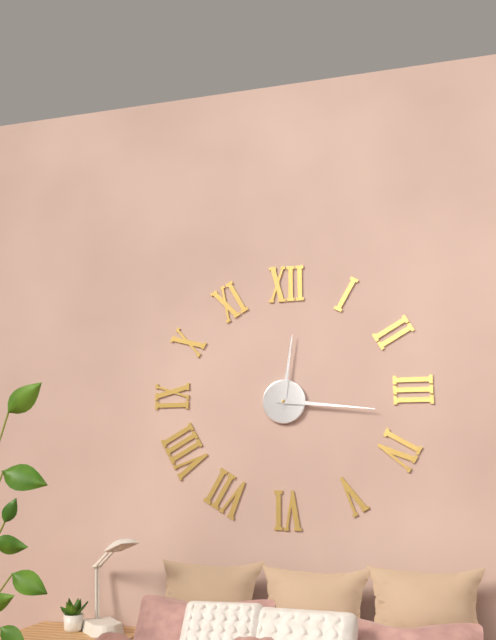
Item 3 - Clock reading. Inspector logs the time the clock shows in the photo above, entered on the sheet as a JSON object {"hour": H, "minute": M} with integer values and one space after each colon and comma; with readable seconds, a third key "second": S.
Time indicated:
{"hour": 12, "minute": 16}
